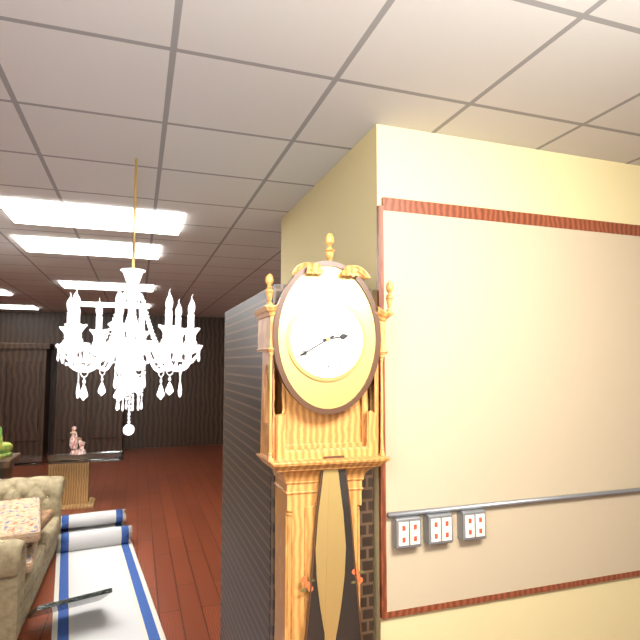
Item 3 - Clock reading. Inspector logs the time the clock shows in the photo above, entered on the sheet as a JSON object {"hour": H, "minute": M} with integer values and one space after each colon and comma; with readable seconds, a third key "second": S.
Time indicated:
{"hour": 2, "minute": 40}
